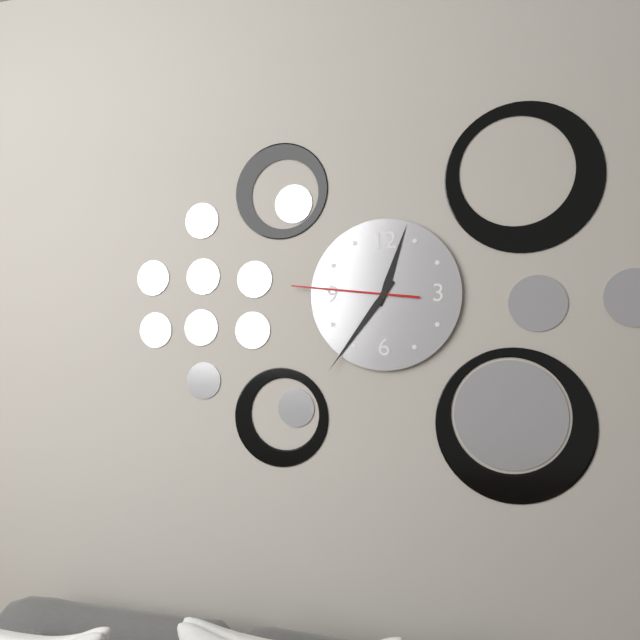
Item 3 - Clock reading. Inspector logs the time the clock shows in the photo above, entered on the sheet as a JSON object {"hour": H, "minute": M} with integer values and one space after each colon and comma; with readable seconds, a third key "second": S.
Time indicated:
{"hour": 12, "minute": 36, "second": 46}
